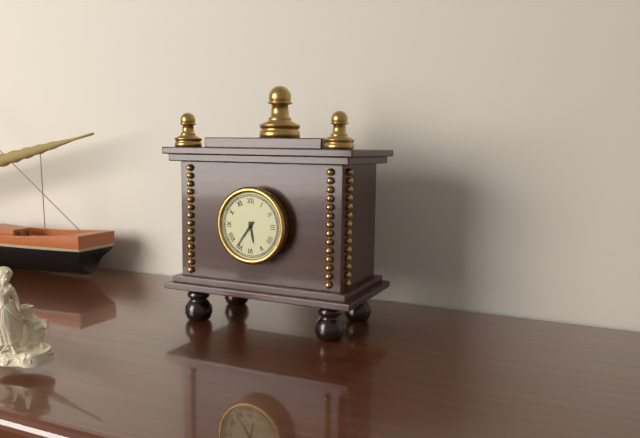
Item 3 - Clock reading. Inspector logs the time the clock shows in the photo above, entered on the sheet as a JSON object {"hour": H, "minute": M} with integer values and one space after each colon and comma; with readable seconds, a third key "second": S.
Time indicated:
{"hour": 5, "minute": 36}
